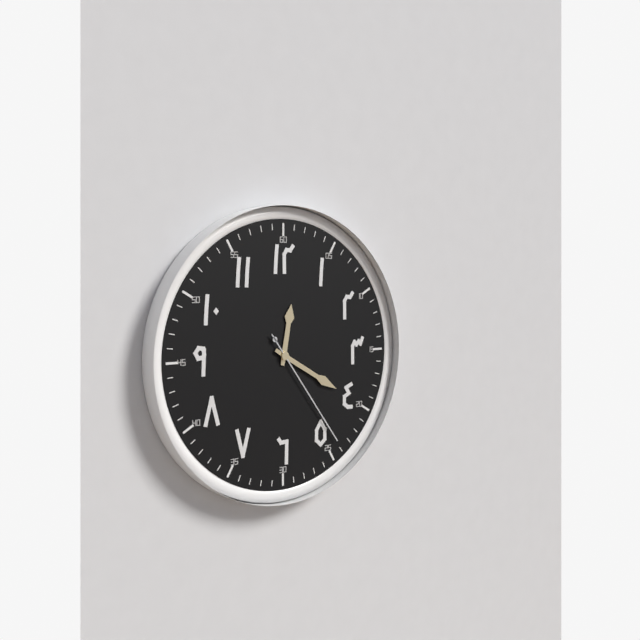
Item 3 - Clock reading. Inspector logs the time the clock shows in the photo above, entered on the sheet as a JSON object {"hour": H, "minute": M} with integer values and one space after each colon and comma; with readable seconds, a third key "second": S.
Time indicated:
{"hour": 12, "minute": 20, "second": 24}
